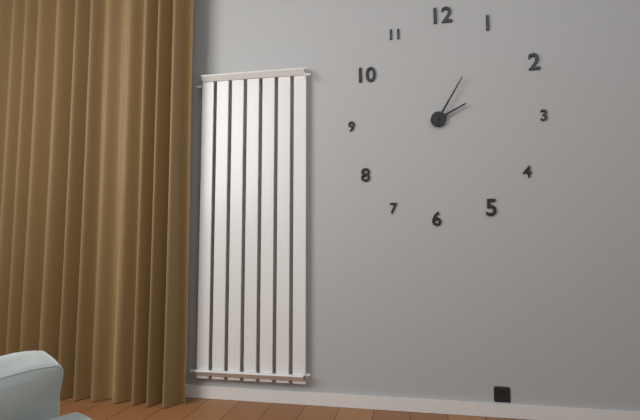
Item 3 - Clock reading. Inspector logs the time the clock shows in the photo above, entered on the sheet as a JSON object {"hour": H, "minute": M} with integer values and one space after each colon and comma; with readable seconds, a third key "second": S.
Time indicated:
{"hour": 2, "minute": 5}
